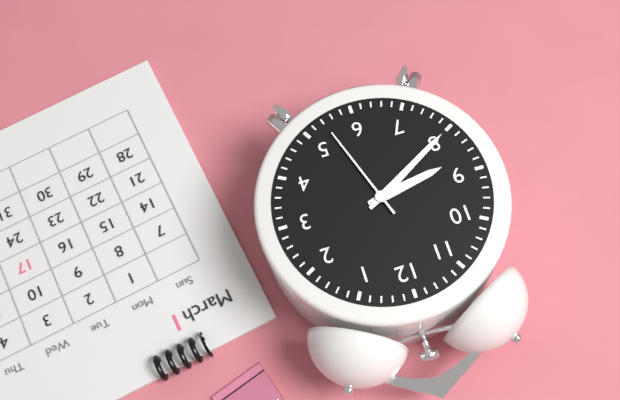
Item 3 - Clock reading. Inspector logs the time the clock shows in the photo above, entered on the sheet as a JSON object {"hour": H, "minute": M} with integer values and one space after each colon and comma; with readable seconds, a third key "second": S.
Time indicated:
{"hour": 8, "minute": 40, "second": 27}
